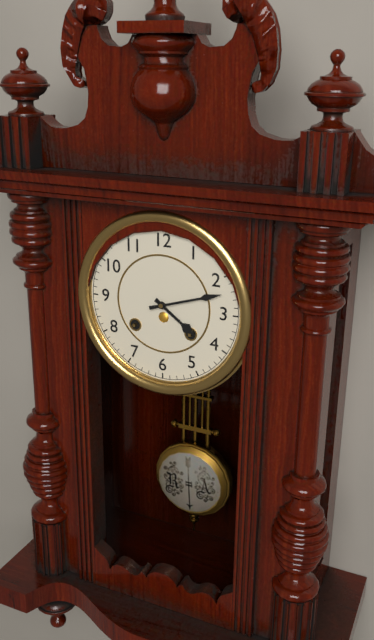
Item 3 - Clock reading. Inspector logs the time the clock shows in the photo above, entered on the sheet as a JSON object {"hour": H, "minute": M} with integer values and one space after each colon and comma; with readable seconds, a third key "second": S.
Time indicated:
{"hour": 4, "minute": 12}
